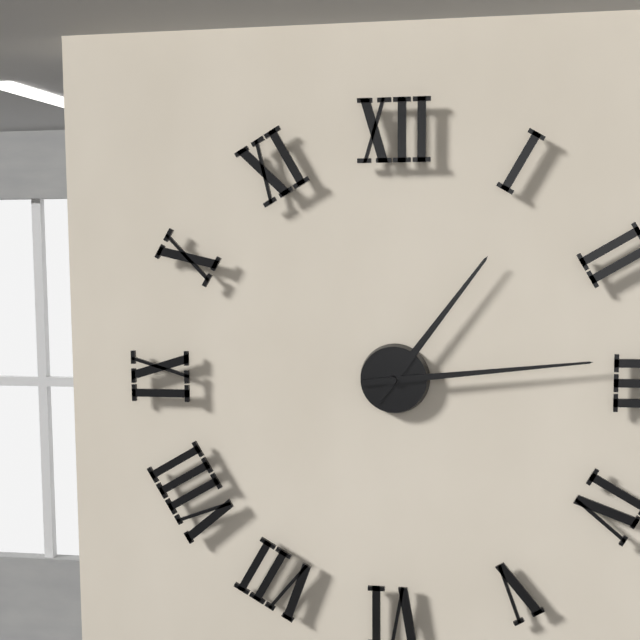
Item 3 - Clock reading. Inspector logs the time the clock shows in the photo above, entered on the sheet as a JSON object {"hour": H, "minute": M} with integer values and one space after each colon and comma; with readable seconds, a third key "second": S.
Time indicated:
{"hour": 1, "minute": 14}
